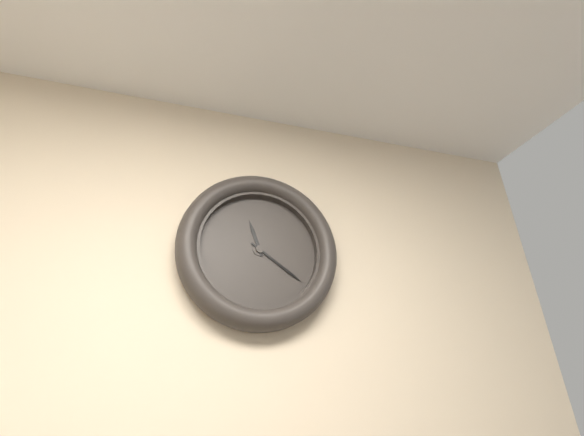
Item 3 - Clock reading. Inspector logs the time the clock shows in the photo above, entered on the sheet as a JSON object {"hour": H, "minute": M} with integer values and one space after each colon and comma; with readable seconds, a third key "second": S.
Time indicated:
{"hour": 11, "minute": 21}
